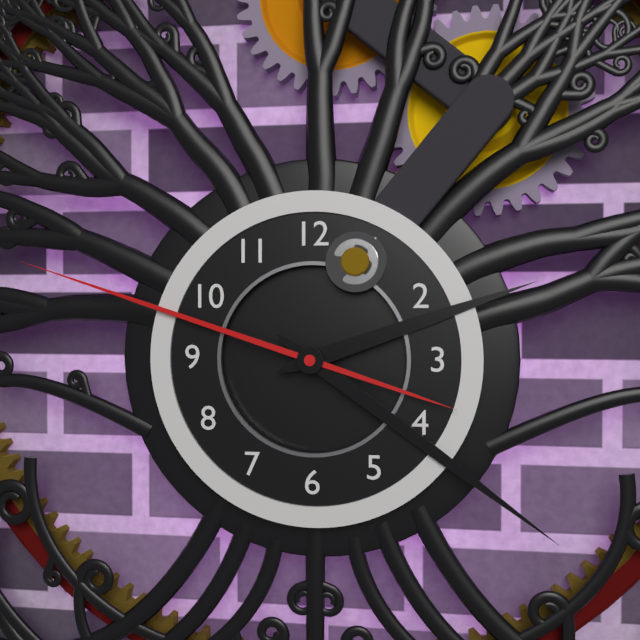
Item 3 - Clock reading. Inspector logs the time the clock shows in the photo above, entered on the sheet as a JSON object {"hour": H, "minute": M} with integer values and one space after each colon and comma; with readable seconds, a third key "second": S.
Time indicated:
{"hour": 2, "minute": 21, "second": 48}
